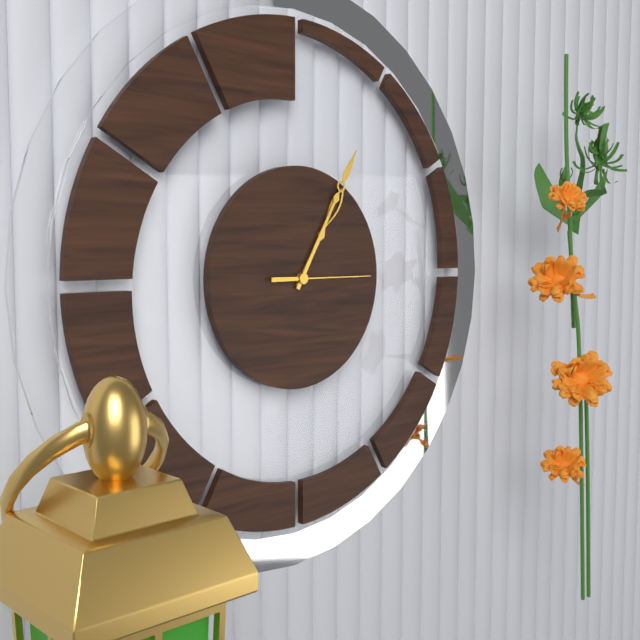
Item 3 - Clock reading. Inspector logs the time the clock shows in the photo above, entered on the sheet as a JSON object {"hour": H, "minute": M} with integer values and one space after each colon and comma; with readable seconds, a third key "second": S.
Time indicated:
{"hour": 1, "minute": 5, "second": 15}
